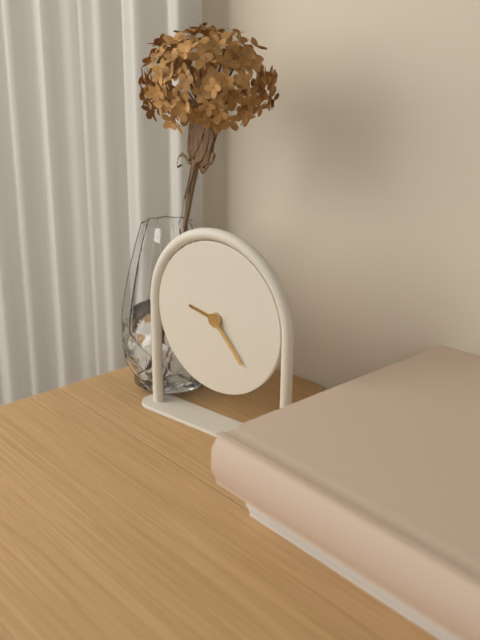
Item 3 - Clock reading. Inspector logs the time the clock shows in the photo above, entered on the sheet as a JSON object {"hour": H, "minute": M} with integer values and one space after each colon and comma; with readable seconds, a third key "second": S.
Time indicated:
{"hour": 9, "minute": 23}
